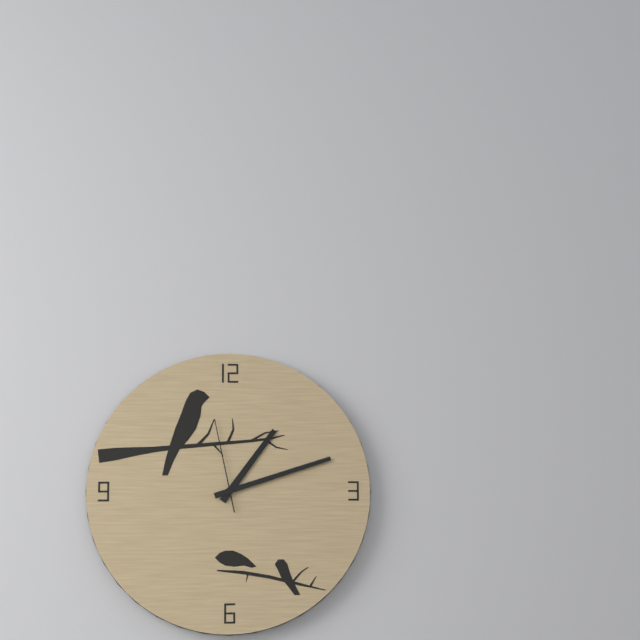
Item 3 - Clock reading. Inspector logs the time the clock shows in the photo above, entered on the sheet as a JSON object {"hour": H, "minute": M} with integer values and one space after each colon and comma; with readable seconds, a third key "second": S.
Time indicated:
{"hour": 1, "minute": 12, "second": 58}
